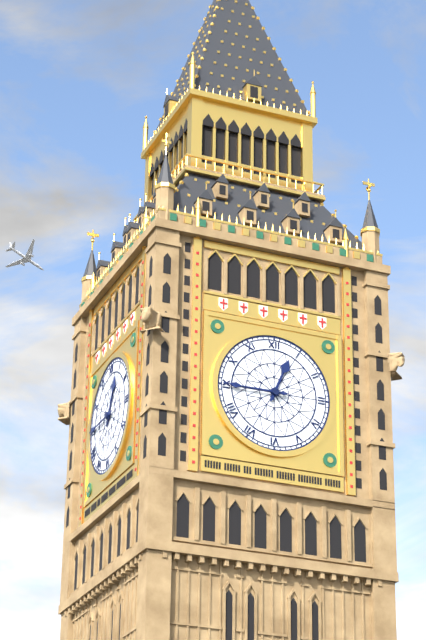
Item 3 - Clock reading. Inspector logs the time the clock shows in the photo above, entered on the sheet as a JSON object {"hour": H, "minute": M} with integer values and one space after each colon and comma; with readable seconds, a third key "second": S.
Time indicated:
{"hour": 12, "minute": 45}
